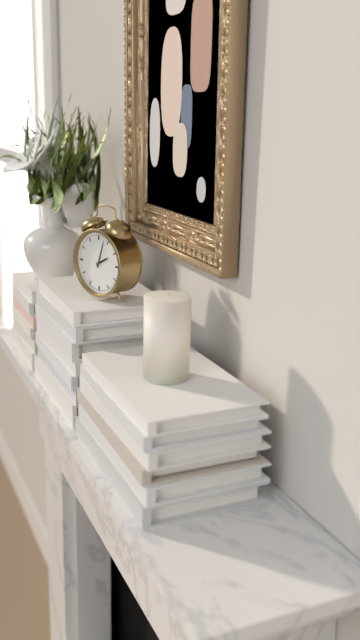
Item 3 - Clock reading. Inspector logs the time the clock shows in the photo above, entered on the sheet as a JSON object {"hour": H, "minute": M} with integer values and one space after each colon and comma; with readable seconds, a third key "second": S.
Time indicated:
{"hour": 2, "minute": 3}
